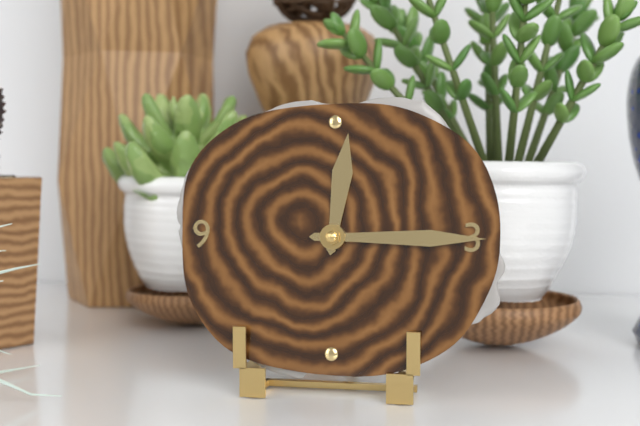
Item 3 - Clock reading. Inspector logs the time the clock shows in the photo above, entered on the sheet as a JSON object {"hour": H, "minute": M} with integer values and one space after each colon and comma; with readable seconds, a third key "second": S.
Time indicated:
{"hour": 12, "minute": 15}
